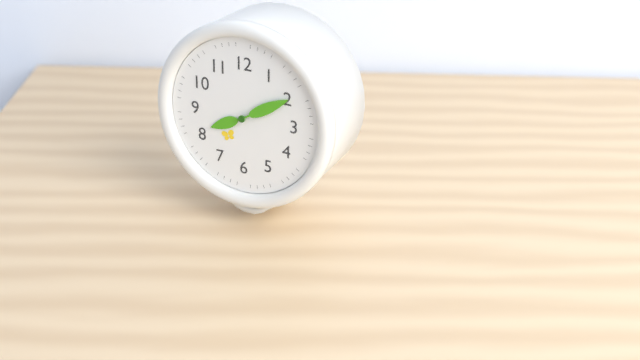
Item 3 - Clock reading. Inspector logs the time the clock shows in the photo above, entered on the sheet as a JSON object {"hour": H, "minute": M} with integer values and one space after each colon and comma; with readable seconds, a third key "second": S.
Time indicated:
{"hour": 8, "minute": 10}
